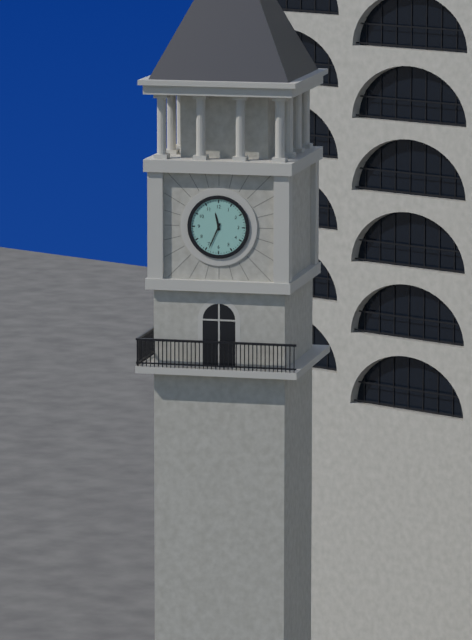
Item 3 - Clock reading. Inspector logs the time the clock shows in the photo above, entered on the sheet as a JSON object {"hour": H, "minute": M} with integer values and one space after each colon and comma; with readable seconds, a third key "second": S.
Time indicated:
{"hour": 11, "minute": 34}
